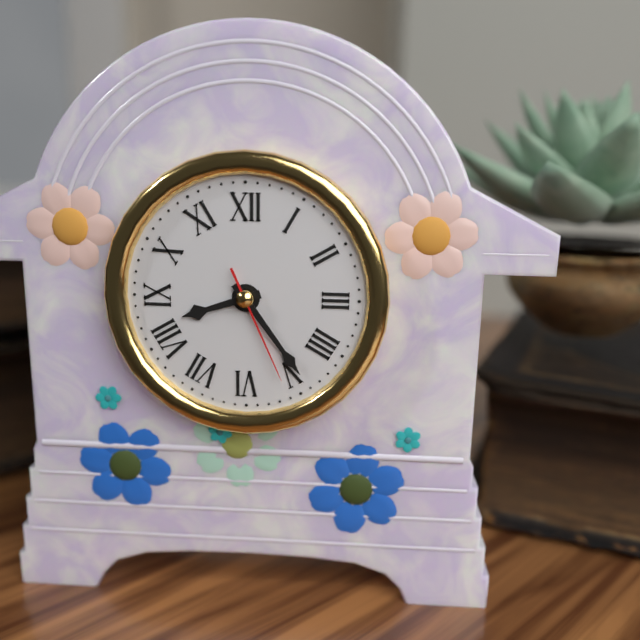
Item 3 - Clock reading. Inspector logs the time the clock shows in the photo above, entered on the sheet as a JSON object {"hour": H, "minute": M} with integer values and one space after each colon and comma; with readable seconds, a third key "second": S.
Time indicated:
{"hour": 8, "minute": 24, "second": 26}
